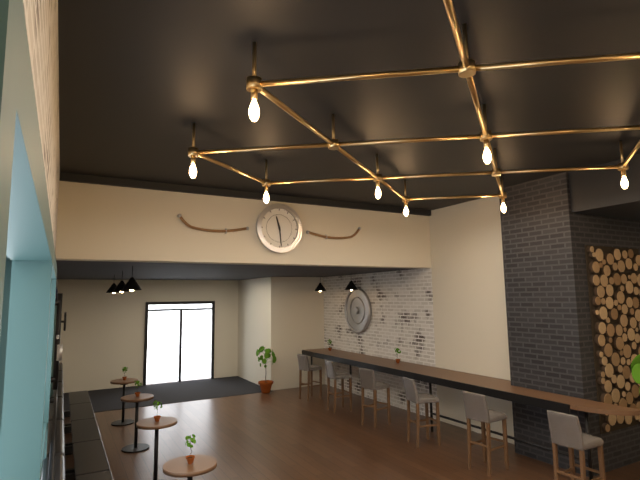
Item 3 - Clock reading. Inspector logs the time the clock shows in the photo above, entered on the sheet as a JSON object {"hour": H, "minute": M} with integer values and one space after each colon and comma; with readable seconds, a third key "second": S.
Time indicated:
{"hour": 11, "minute": 29}
